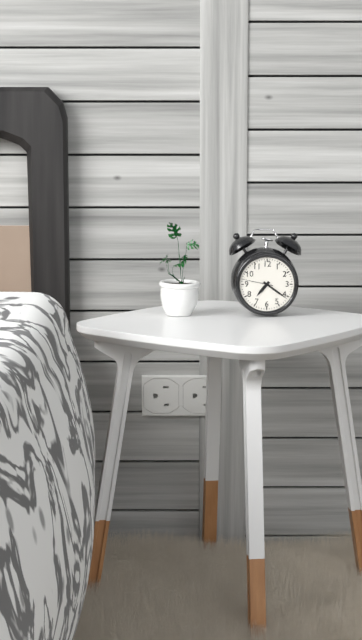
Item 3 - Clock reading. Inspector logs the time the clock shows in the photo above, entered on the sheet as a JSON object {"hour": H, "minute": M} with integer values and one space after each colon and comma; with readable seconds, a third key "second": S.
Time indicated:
{"hour": 7, "minute": 21}
